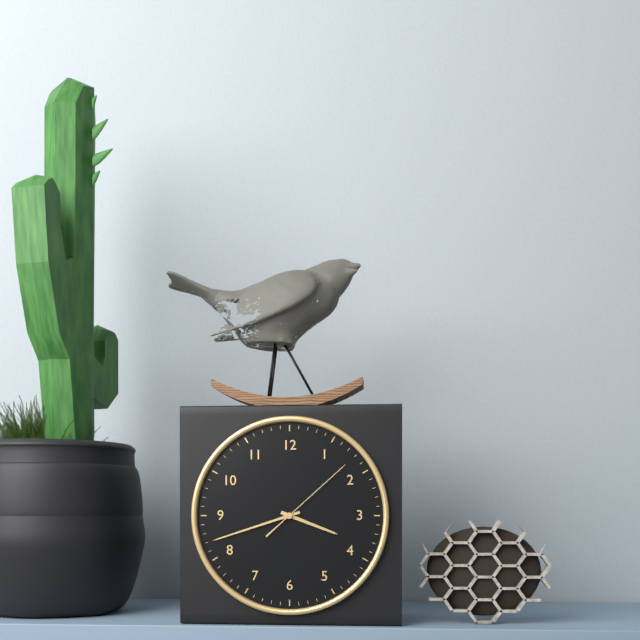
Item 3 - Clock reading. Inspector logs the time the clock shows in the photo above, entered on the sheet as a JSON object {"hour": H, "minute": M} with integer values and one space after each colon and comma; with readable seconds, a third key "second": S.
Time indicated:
{"hour": 3, "minute": 42, "second": 8}
